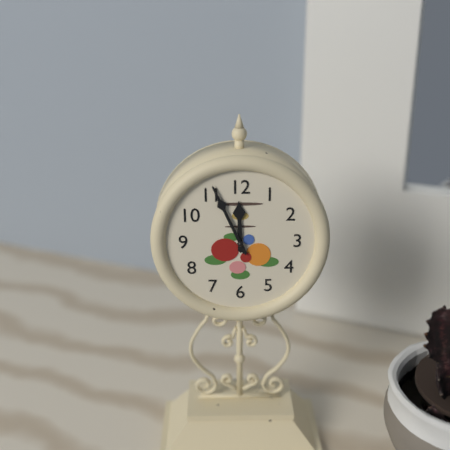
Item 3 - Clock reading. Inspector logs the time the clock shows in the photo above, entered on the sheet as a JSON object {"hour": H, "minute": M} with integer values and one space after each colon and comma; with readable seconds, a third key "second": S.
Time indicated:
{"hour": 11, "minute": 56}
